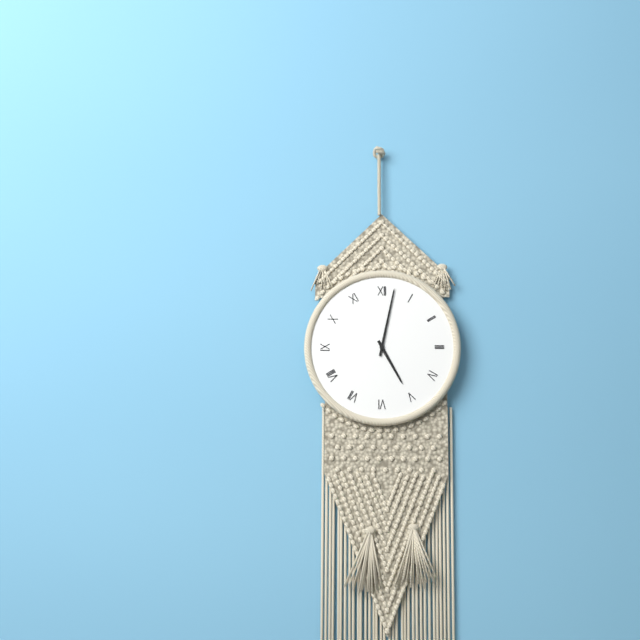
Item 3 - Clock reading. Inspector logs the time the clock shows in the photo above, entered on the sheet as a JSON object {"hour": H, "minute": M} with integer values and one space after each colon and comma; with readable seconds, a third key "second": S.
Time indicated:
{"hour": 5, "minute": 2}
